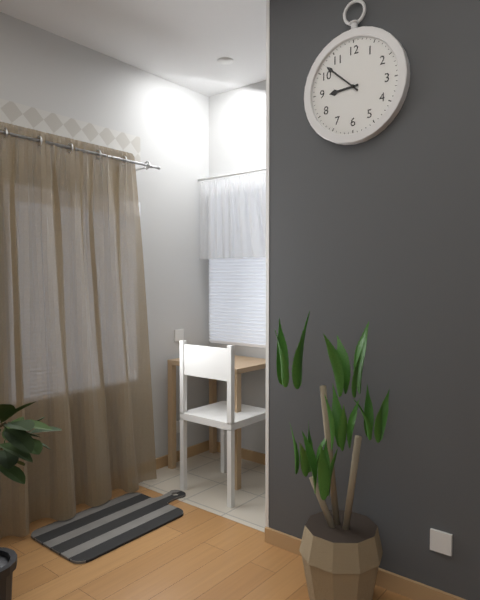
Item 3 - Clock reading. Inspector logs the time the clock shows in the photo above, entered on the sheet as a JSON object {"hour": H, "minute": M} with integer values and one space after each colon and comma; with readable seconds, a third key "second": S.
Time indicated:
{"hour": 8, "minute": 52}
